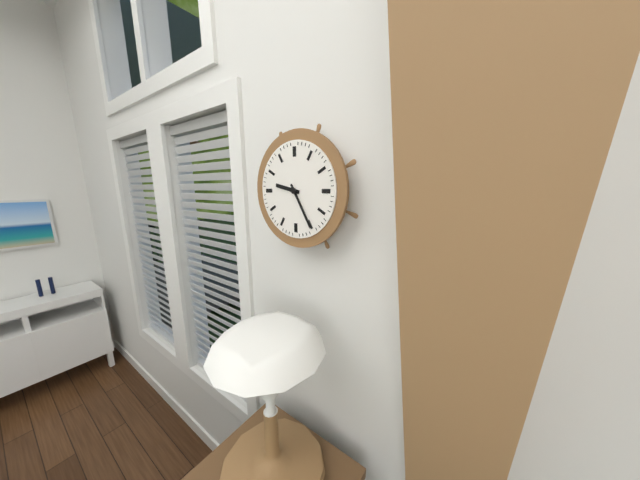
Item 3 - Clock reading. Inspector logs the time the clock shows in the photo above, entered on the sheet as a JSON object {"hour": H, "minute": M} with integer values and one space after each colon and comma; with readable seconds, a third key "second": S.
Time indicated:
{"hour": 9, "minute": 25}
